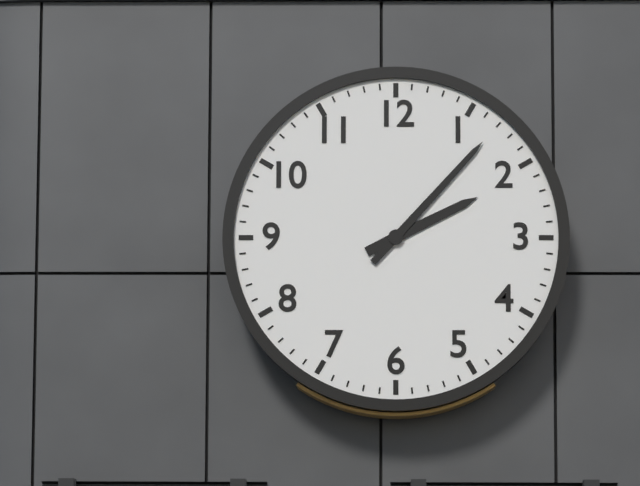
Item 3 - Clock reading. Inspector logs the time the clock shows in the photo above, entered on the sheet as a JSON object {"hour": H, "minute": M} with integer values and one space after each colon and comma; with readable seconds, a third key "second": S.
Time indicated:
{"hour": 2, "minute": 7}
